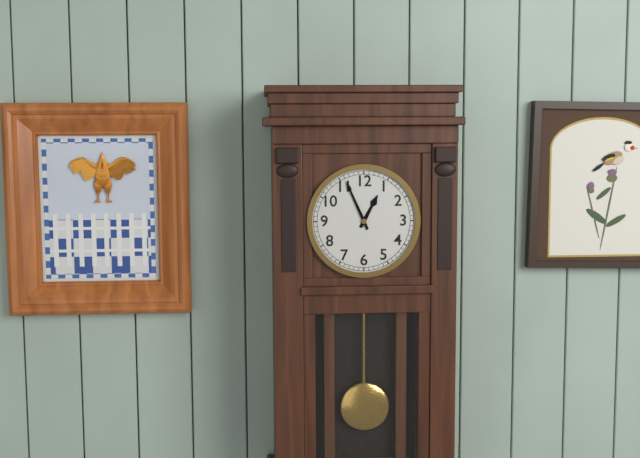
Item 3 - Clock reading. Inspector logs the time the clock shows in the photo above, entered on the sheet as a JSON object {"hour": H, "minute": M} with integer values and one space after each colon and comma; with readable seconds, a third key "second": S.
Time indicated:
{"hour": 12, "minute": 56}
